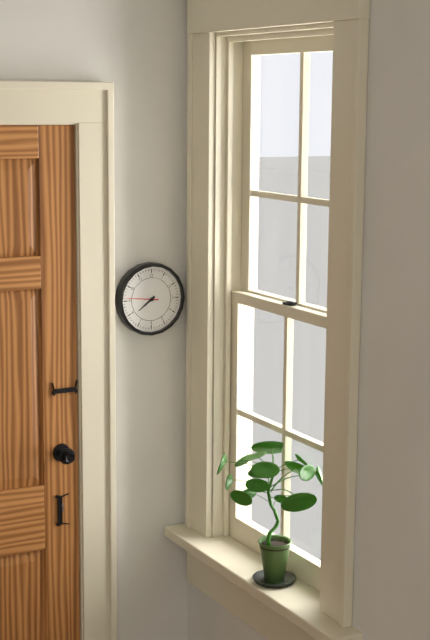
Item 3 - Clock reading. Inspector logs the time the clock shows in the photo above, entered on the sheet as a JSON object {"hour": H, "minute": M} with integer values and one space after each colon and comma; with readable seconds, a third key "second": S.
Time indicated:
{"hour": 7, "minute": 46}
